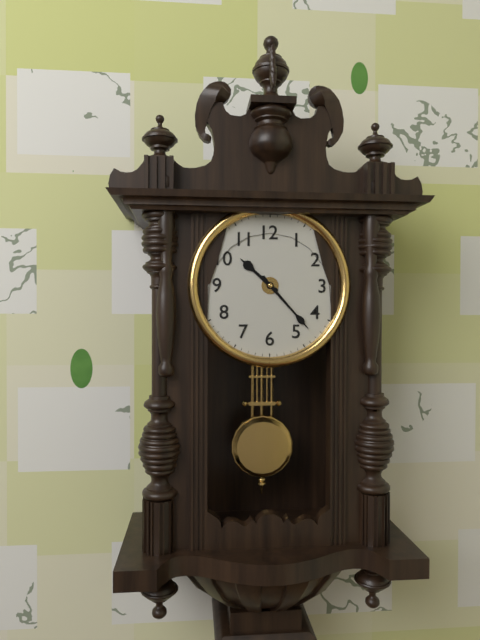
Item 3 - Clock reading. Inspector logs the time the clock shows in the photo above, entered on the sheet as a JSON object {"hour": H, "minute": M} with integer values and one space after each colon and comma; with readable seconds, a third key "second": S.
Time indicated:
{"hour": 10, "minute": 23}
